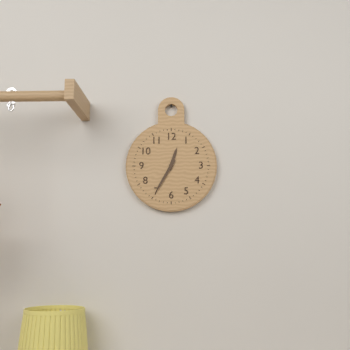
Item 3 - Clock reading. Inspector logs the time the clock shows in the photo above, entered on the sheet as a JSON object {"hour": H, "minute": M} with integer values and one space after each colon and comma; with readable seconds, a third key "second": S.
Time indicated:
{"hour": 12, "minute": 35}
